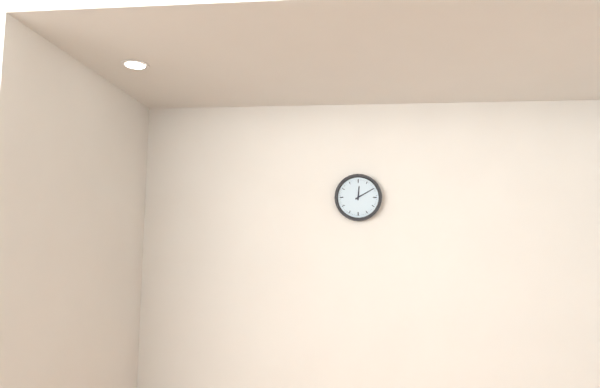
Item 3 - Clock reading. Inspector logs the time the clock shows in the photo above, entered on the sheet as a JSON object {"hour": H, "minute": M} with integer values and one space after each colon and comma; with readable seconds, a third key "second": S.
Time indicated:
{"hour": 12, "minute": 10}
